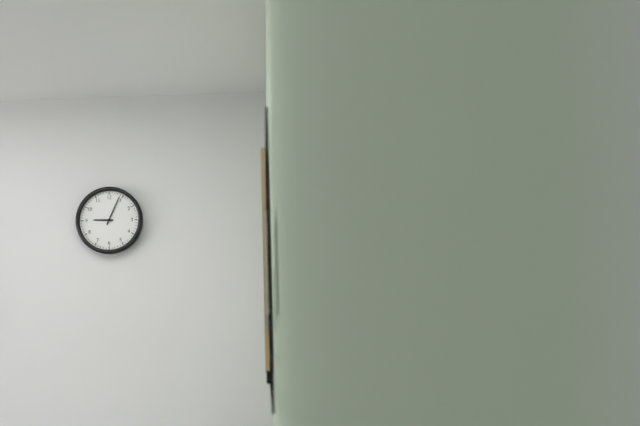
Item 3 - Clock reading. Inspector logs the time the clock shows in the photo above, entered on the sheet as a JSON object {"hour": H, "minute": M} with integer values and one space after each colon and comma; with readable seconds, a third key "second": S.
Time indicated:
{"hour": 9, "minute": 4}
